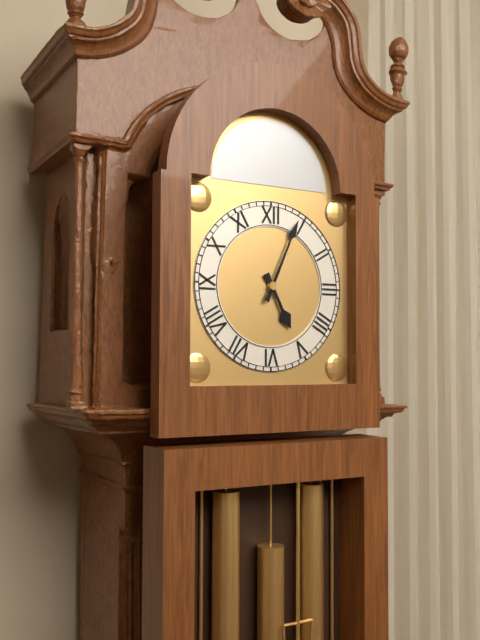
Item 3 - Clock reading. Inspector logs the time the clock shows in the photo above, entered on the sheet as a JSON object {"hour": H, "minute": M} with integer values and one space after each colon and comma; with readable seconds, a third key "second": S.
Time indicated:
{"hour": 5, "minute": 4}
